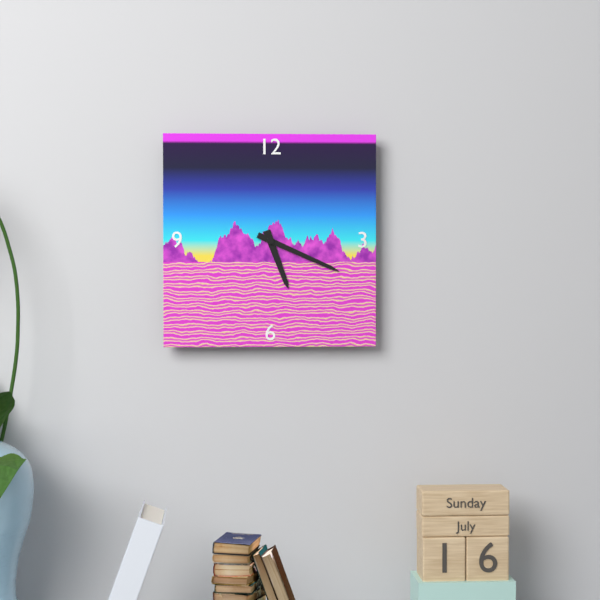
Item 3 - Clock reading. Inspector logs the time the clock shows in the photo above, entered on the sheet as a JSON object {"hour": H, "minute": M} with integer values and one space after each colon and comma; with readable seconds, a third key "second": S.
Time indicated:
{"hour": 5, "minute": 19}
